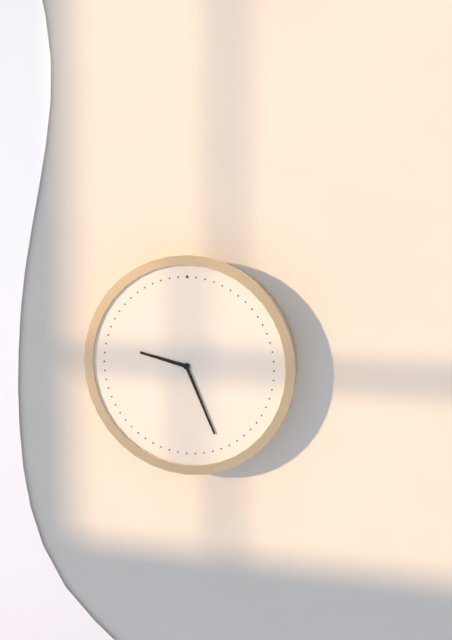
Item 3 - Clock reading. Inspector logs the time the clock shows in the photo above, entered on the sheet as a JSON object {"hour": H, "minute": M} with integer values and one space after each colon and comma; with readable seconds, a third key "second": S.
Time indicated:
{"hour": 9, "minute": 26}
